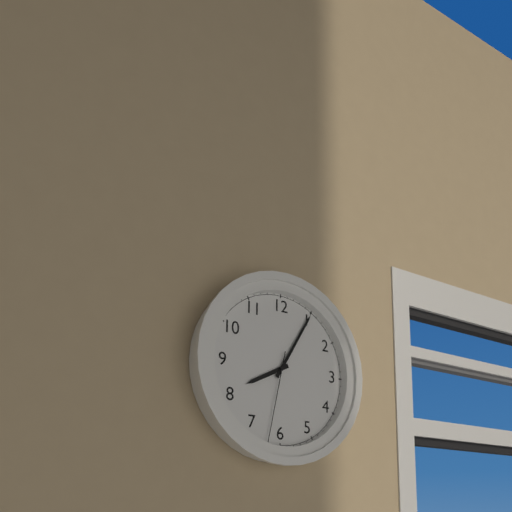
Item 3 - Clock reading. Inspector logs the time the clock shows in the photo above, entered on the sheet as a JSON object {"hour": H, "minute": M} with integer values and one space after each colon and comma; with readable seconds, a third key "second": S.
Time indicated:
{"hour": 8, "minute": 5, "second": 32}
